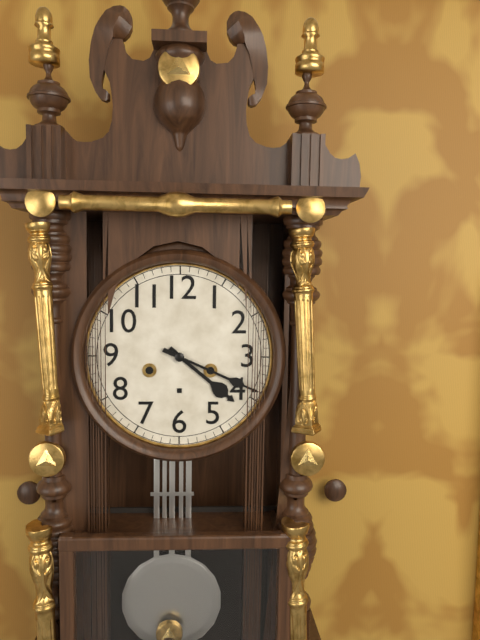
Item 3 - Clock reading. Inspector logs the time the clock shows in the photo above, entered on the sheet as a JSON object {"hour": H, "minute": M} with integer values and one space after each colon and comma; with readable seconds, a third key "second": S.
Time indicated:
{"hour": 4, "minute": 19}
